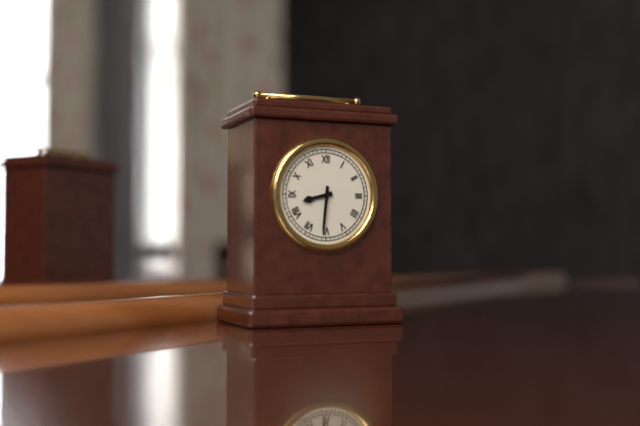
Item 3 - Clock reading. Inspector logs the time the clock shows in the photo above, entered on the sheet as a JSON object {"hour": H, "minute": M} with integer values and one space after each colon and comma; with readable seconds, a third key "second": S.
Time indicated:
{"hour": 8, "minute": 31}
